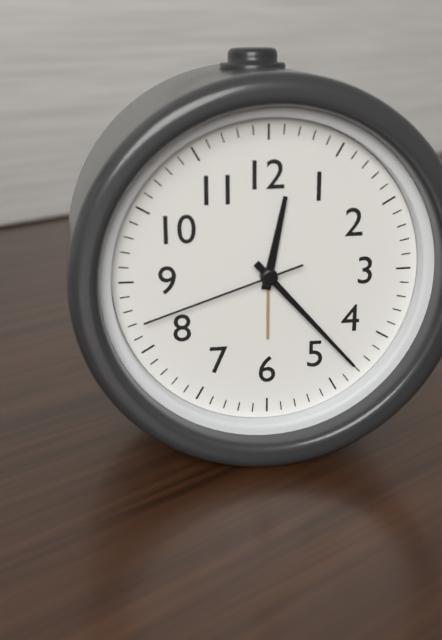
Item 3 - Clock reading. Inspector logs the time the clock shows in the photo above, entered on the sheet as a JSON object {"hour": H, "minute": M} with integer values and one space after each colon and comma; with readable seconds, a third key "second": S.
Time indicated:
{"hour": 12, "minute": 23, "second": 42}
